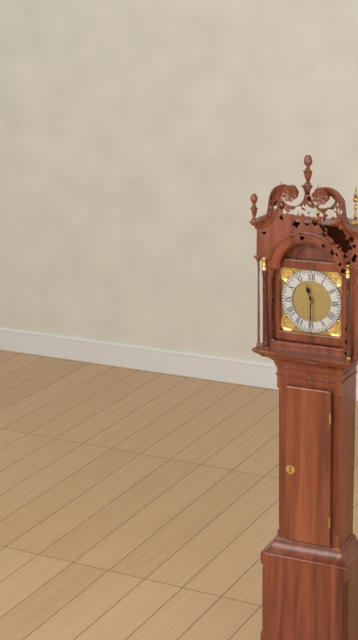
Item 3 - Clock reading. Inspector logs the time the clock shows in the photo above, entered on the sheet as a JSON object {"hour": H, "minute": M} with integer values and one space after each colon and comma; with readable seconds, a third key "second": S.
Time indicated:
{"hour": 11, "minute": 30}
